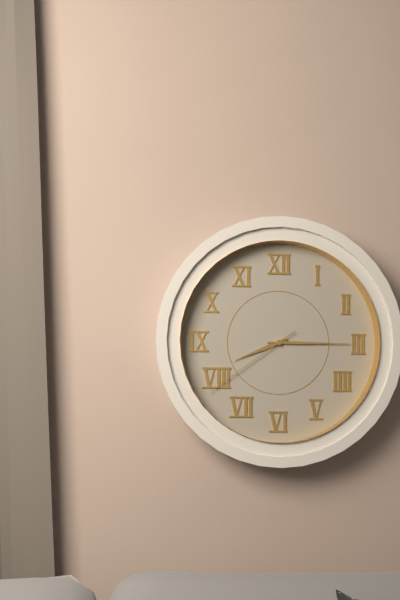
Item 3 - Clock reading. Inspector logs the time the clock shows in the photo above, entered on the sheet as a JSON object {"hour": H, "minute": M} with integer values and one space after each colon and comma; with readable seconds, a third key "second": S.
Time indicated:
{"hour": 8, "minute": 15, "second": 39}
